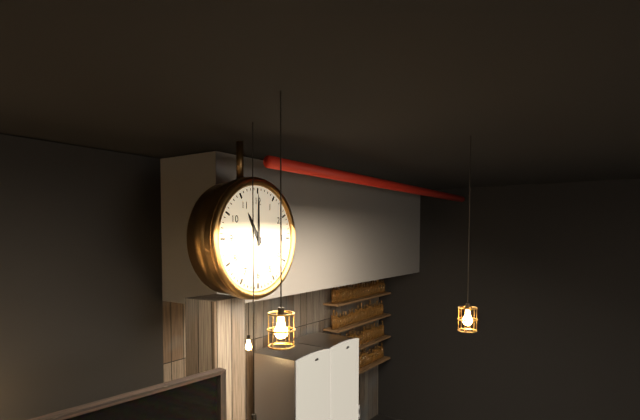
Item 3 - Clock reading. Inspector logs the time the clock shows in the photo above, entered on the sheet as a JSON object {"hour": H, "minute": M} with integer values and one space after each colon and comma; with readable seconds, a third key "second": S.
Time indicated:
{"hour": 11, "minute": 0}
